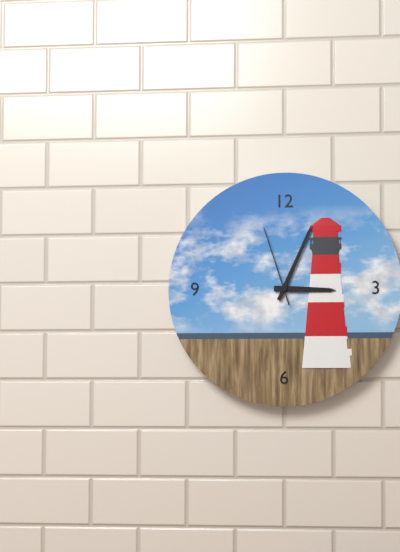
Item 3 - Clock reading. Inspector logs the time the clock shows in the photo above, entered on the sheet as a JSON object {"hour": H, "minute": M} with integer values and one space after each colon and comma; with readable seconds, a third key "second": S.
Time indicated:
{"hour": 3, "minute": 4, "second": 57}
